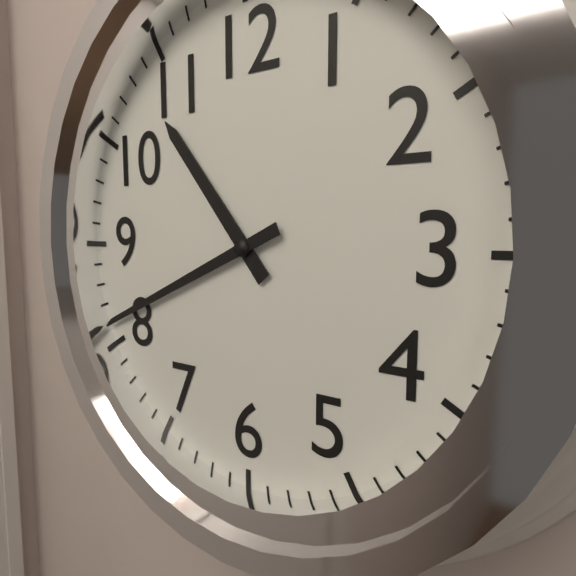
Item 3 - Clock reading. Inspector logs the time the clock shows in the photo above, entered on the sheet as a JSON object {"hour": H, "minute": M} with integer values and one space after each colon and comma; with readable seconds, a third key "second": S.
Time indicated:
{"hour": 10, "minute": 41}
